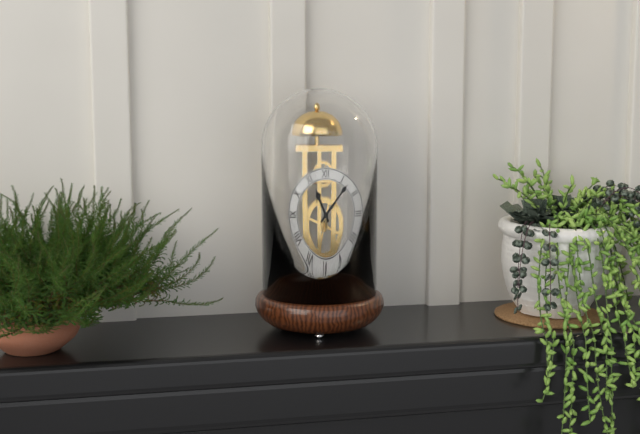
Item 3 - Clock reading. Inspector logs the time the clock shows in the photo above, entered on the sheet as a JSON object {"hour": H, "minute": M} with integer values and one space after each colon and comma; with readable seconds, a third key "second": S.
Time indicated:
{"hour": 11, "minute": 7}
